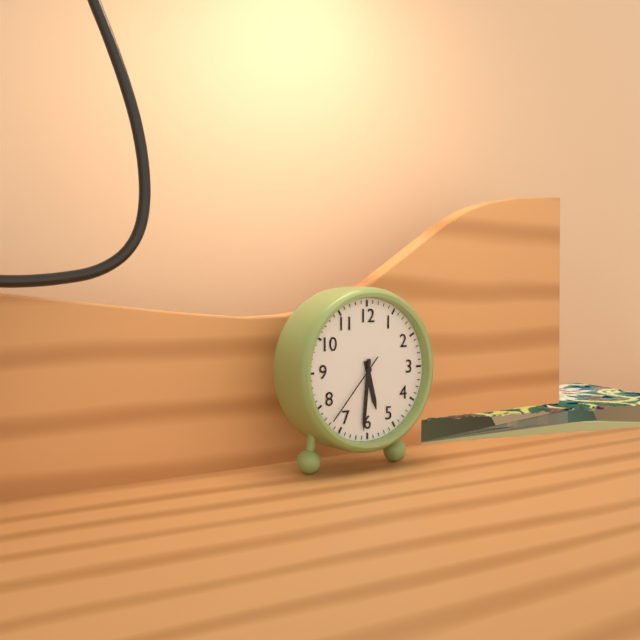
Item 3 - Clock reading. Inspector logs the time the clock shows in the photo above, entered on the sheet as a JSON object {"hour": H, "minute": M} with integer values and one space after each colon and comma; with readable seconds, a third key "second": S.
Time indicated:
{"hour": 5, "minute": 31, "second": 37}
